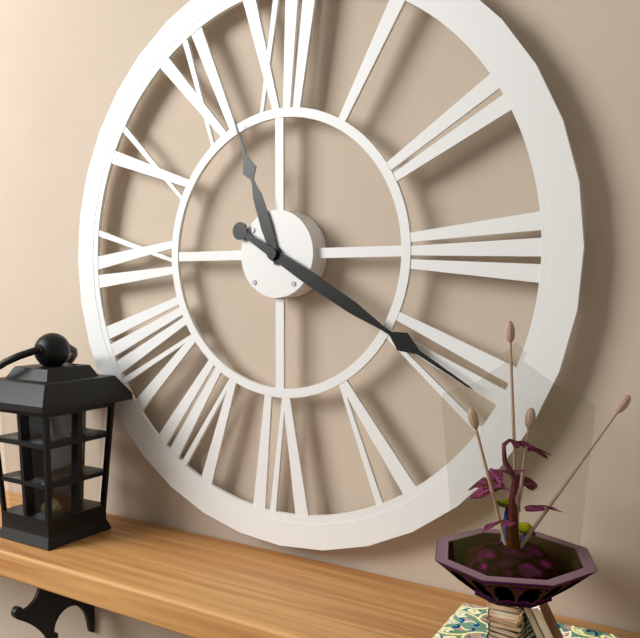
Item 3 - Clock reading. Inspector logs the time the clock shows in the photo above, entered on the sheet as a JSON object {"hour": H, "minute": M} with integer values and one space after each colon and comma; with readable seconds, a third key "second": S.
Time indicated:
{"hour": 11, "minute": 20}
